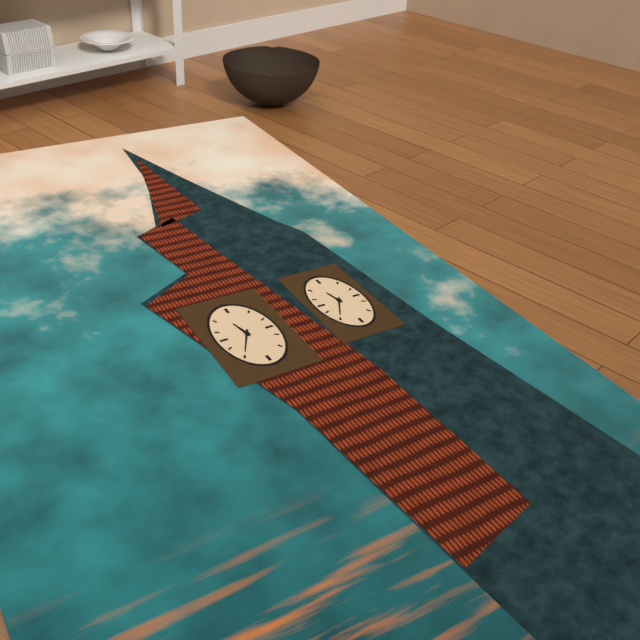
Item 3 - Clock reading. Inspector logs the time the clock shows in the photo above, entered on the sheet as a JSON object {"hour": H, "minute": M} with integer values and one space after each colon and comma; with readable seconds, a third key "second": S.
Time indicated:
{"hour": 11, "minute": 35}
